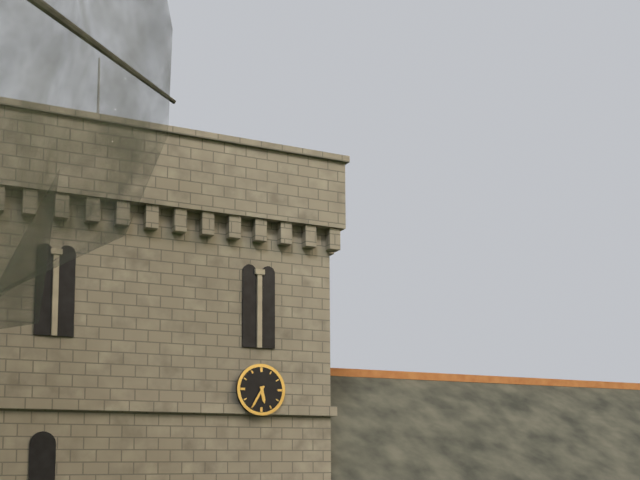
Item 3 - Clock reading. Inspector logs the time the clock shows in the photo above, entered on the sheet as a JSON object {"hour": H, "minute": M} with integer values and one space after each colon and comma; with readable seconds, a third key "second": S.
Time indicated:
{"hour": 5, "minute": 35}
